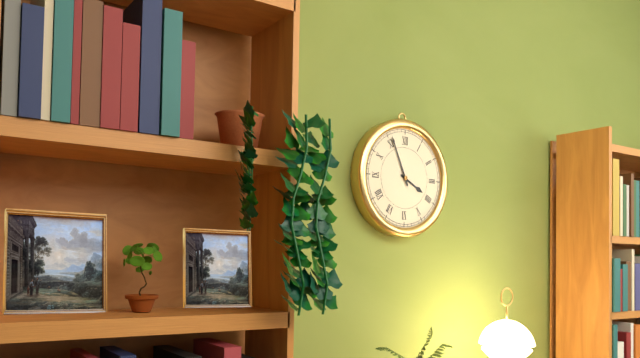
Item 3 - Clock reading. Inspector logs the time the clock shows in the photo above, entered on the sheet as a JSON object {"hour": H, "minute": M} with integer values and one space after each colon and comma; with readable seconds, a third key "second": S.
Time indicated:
{"hour": 3, "minute": 56}
